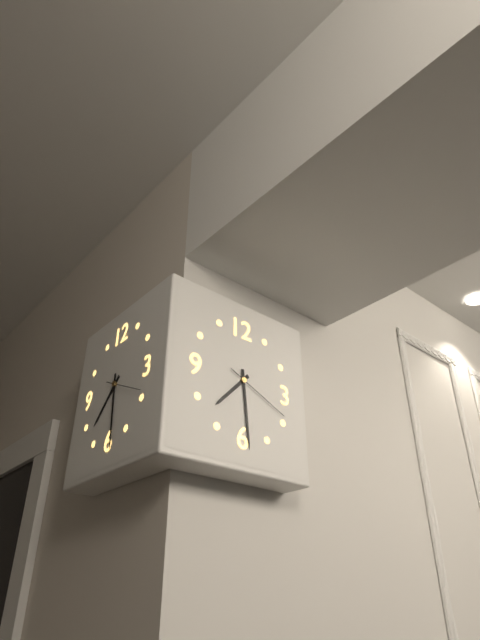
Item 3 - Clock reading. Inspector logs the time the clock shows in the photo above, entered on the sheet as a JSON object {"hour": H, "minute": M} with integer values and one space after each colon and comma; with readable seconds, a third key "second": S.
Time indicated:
{"hour": 7, "minute": 29, "second": 19}
